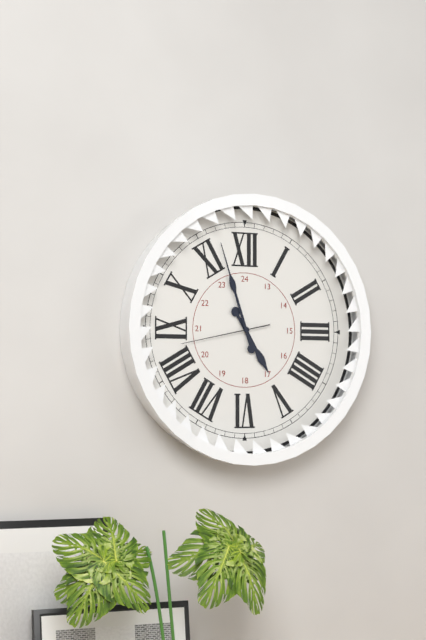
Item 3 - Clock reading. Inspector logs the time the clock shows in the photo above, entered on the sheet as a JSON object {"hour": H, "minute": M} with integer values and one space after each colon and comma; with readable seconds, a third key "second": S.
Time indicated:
{"hour": 4, "minute": 57, "second": 43}
